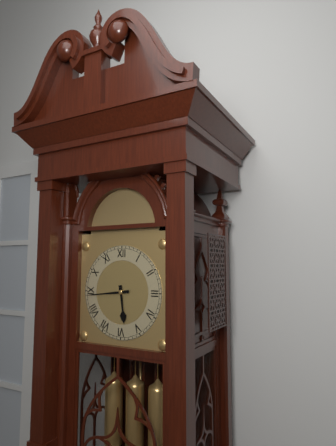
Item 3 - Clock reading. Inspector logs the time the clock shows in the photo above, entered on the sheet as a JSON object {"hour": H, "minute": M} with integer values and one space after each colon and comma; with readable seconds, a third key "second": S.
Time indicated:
{"hour": 5, "minute": 44}
